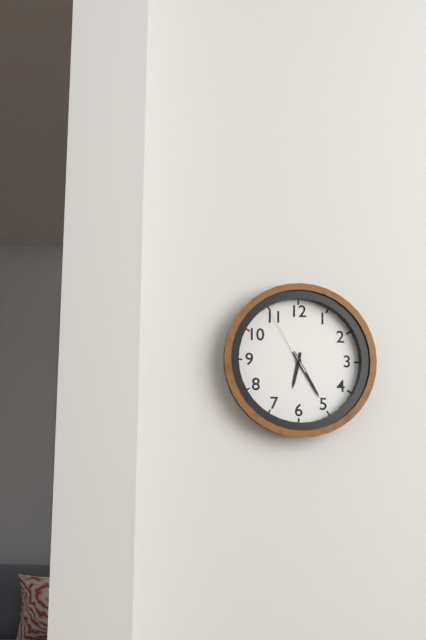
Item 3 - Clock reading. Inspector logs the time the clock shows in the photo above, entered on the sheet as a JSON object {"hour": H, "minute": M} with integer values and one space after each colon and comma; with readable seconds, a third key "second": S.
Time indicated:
{"hour": 6, "minute": 25, "second": 55}
